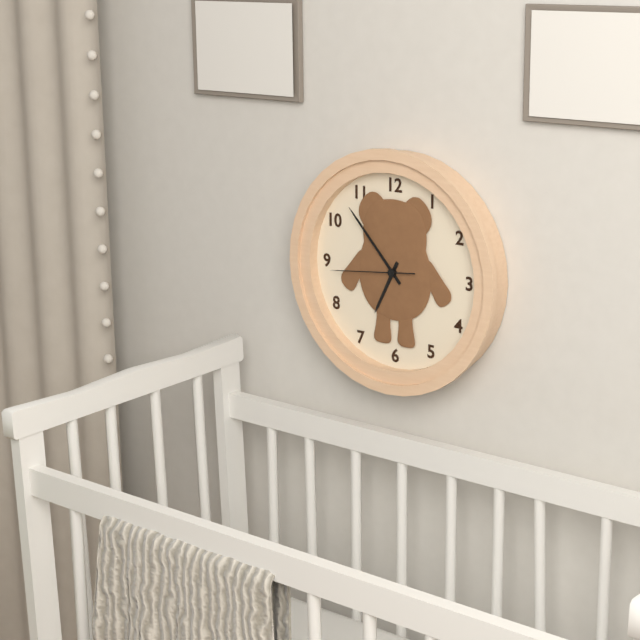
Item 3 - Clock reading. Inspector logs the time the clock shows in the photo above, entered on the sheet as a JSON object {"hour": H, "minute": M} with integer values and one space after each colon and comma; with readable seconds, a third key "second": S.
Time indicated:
{"hour": 6, "minute": 53, "second": 44}
